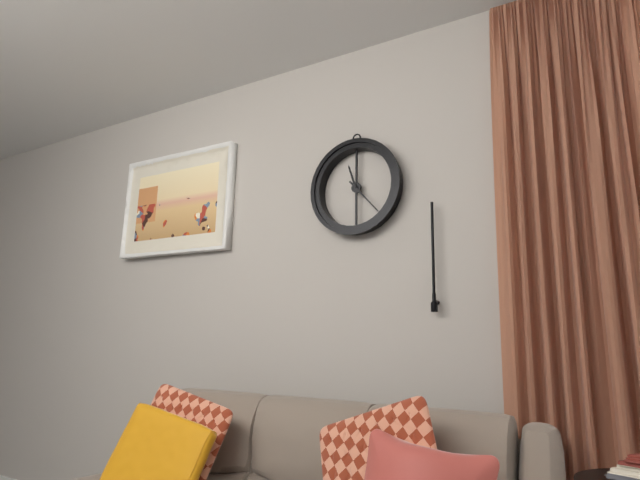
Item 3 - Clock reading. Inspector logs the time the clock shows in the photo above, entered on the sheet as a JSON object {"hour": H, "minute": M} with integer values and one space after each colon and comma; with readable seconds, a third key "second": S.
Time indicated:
{"hour": 11, "minute": 23}
